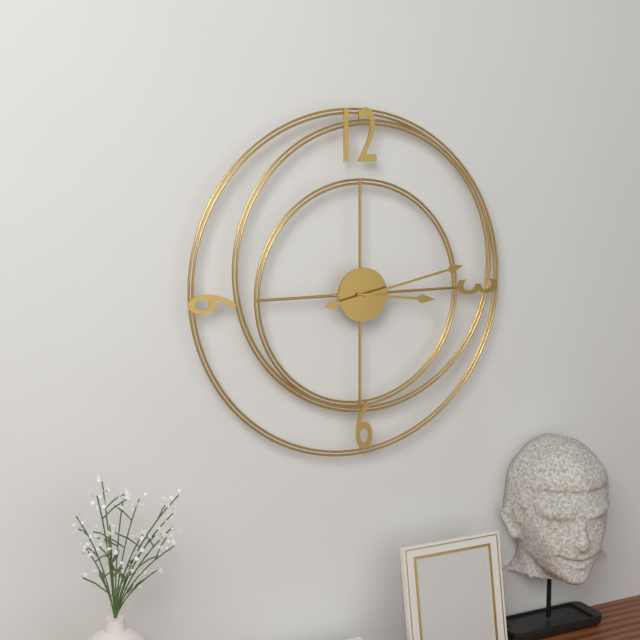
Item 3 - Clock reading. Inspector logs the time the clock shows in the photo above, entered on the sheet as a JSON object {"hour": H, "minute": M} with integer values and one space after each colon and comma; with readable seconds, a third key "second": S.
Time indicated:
{"hour": 3, "minute": 13}
